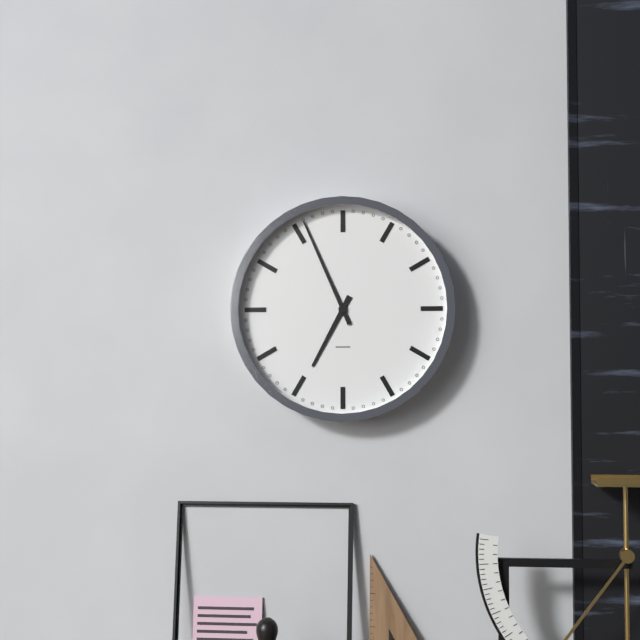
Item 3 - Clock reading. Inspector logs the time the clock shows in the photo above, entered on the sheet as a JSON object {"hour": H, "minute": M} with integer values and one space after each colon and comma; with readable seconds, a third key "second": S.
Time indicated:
{"hour": 6, "minute": 56}
